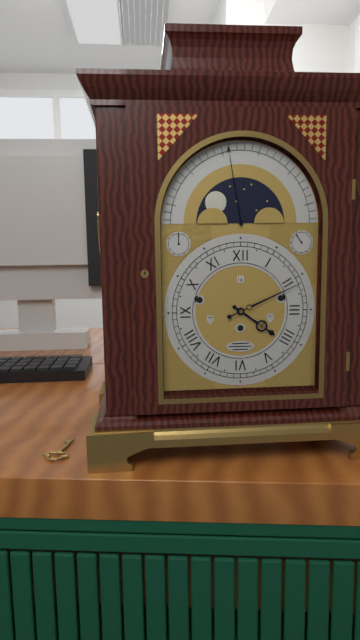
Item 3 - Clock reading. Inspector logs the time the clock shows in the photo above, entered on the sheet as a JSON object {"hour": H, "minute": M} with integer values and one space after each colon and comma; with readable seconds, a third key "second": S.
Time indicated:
{"hour": 4, "minute": 11}
